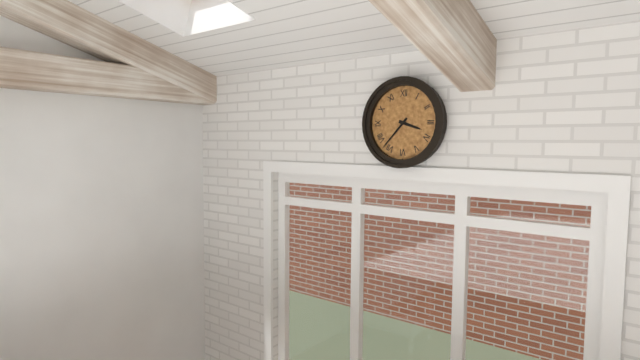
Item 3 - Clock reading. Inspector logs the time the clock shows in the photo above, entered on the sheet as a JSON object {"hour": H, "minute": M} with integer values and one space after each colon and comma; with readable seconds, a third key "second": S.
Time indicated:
{"hour": 3, "minute": 37}
